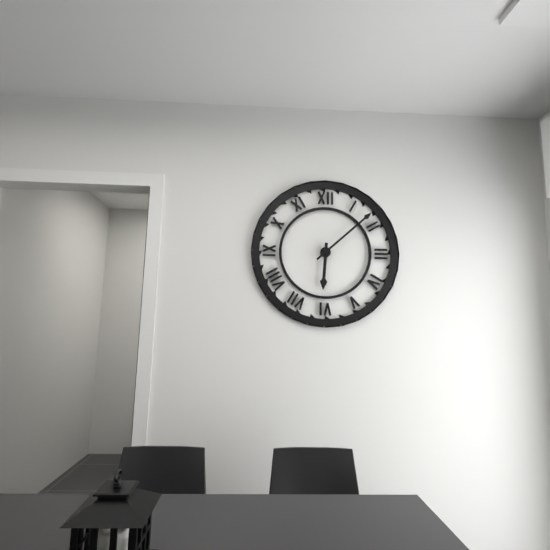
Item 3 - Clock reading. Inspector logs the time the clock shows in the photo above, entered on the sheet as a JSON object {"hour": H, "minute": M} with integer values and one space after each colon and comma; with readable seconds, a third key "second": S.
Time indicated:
{"hour": 6, "minute": 8}
